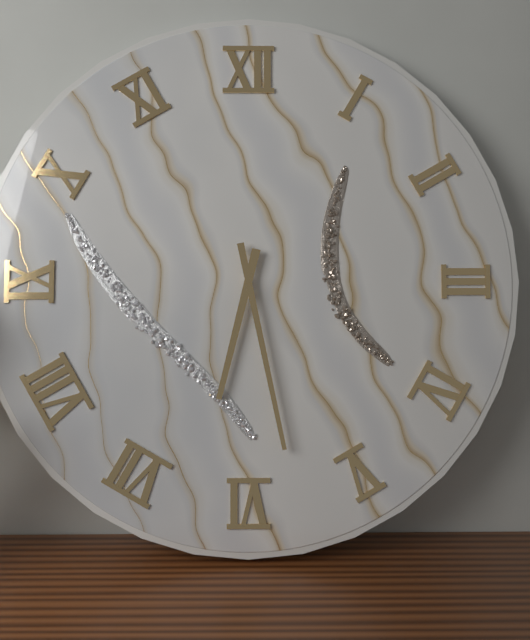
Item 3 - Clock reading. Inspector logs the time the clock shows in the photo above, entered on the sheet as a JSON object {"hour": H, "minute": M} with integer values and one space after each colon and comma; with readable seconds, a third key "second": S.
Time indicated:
{"hour": 6, "minute": 28}
